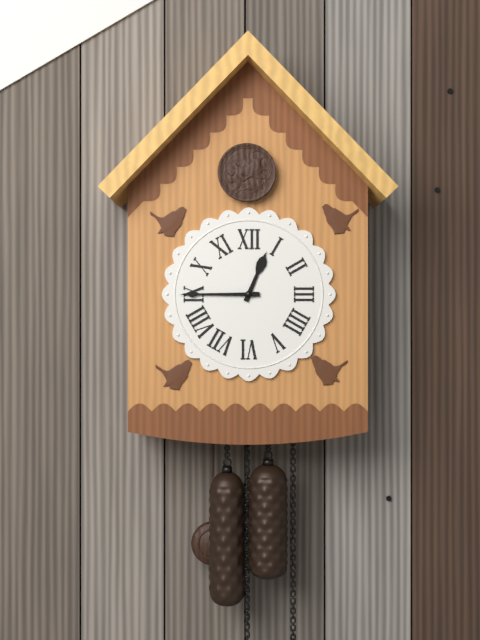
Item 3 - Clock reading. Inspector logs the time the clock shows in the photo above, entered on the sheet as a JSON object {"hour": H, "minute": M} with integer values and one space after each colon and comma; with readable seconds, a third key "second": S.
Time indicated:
{"hour": 12, "minute": 45}
